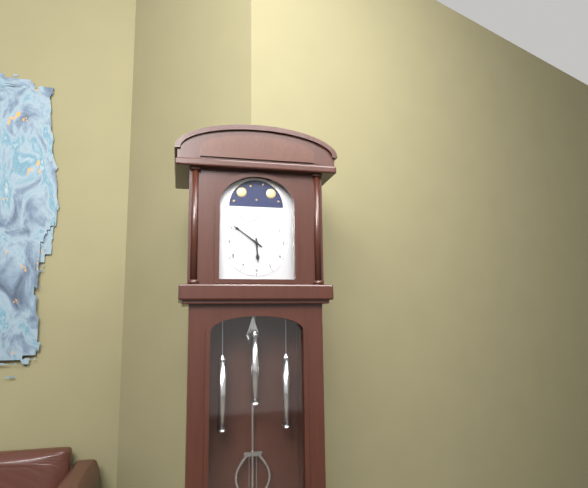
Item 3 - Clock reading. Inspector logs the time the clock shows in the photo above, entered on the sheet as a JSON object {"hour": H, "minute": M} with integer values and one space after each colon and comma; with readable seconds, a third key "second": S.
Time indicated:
{"hour": 5, "minute": 51}
